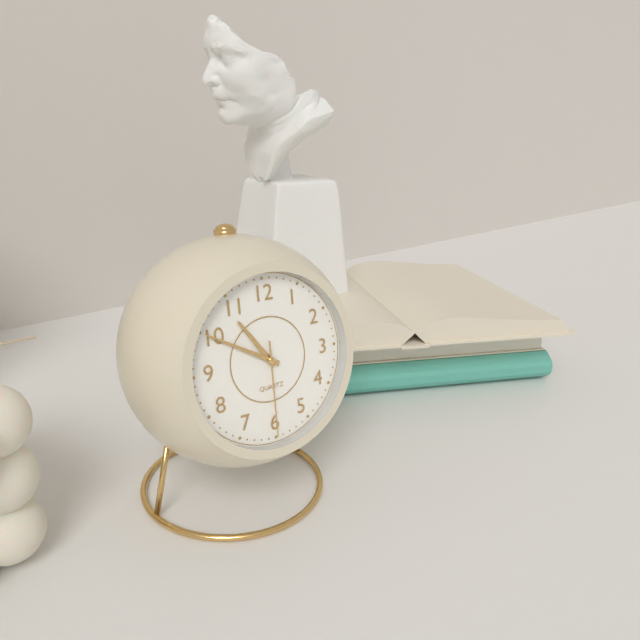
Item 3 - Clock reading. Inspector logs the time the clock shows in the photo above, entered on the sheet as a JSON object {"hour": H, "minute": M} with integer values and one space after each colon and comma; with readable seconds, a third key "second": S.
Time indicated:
{"hour": 10, "minute": 50, "second": 30}
